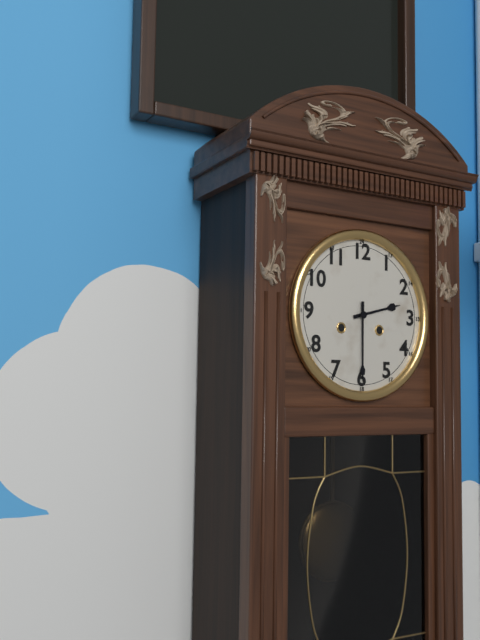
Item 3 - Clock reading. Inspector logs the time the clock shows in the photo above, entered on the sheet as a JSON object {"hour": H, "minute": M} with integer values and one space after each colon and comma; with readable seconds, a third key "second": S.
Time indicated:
{"hour": 2, "minute": 30}
